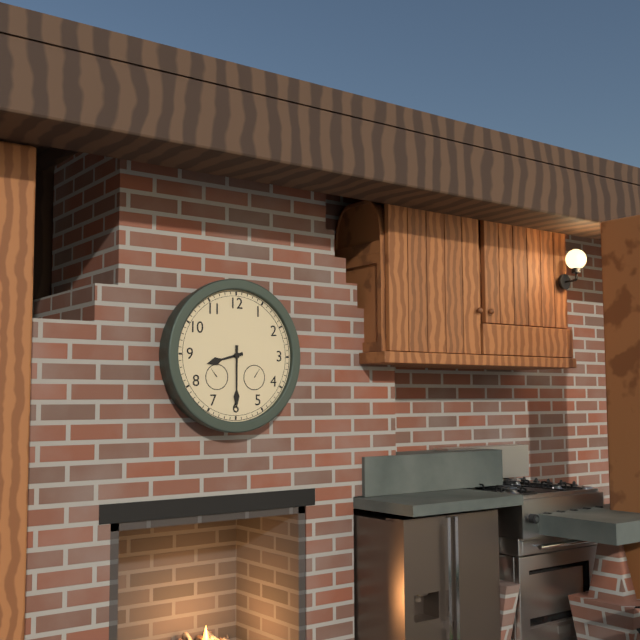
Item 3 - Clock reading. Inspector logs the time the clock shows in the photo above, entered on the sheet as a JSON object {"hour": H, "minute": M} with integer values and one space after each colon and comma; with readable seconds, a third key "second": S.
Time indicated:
{"hour": 8, "minute": 30}
